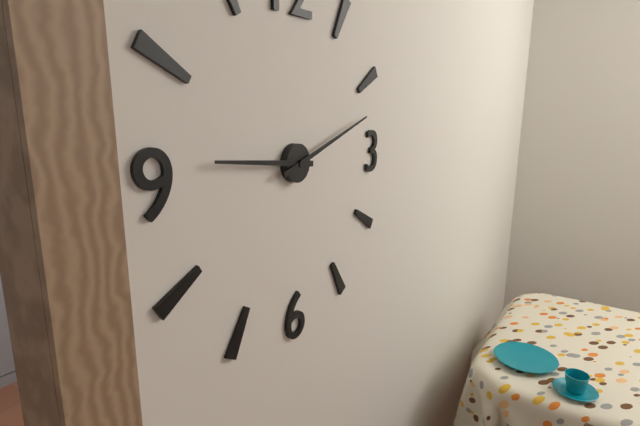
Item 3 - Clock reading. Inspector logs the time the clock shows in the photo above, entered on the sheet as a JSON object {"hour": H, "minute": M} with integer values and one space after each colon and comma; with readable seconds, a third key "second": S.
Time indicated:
{"hour": 9, "minute": 12}
